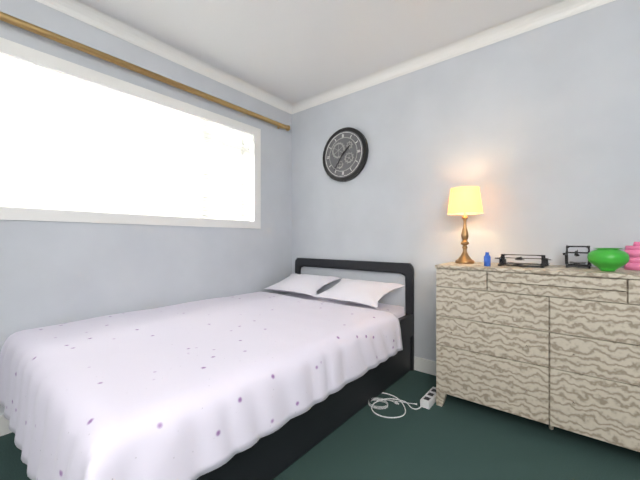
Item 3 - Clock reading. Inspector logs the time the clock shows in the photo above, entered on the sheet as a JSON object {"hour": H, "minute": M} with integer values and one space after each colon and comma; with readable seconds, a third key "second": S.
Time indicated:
{"hour": 1, "minute": 36}
